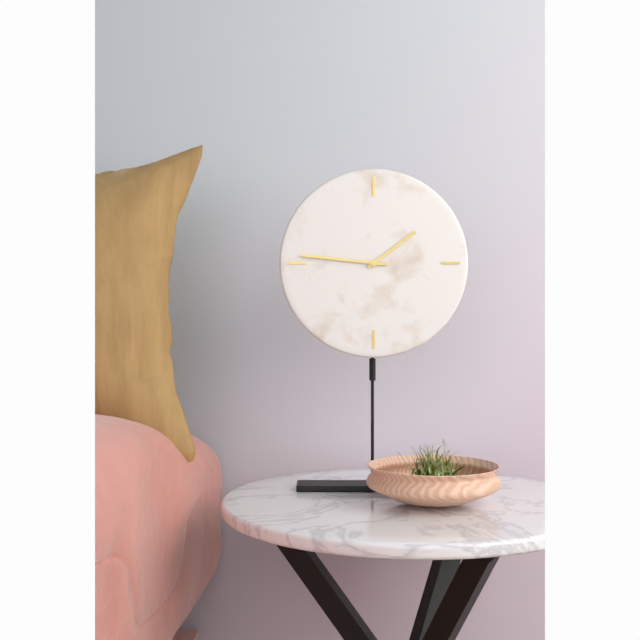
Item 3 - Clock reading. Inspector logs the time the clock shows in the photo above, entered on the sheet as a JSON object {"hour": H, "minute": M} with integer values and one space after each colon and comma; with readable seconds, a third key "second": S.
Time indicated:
{"hour": 1, "minute": 46}
